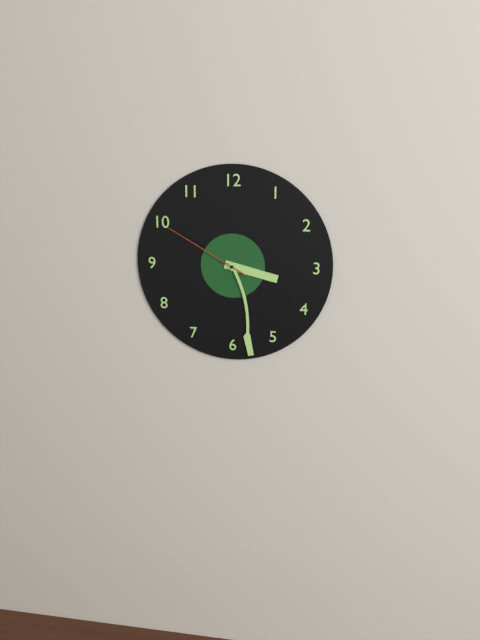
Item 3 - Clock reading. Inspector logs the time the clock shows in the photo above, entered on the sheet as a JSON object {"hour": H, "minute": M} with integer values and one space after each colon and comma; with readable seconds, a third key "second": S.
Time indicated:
{"hour": 3, "minute": 28, "second": 50}
